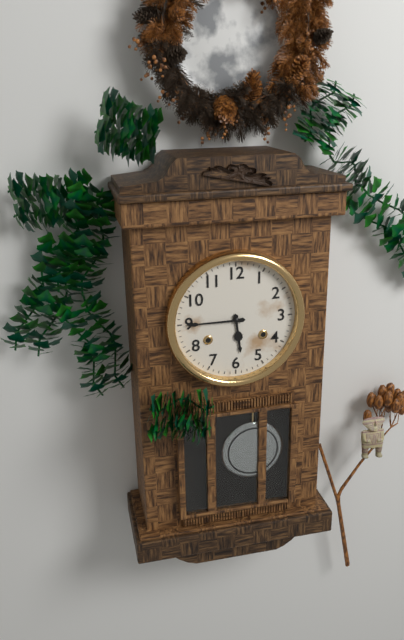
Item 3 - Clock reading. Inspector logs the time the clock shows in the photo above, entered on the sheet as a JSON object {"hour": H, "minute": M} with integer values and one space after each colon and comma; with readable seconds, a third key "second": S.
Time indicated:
{"hour": 5, "minute": 45}
